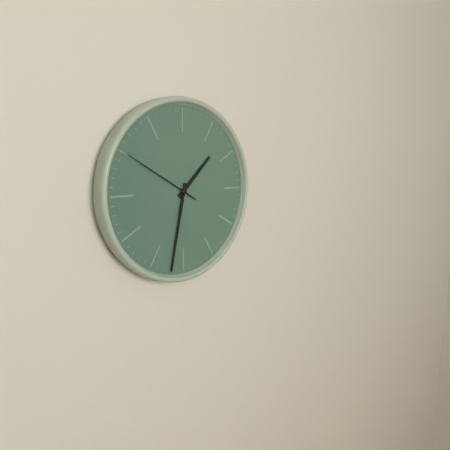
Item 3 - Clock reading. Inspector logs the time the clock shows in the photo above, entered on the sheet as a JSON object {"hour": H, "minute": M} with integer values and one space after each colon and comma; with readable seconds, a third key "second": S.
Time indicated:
{"hour": 1, "minute": 32, "second": 50}
